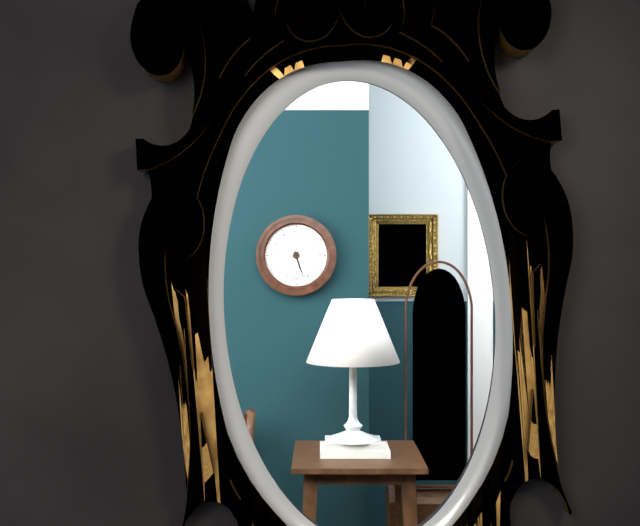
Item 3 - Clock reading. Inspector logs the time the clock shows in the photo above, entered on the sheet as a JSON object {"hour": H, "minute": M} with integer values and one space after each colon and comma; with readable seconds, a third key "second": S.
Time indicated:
{"hour": 5, "minute": 27}
